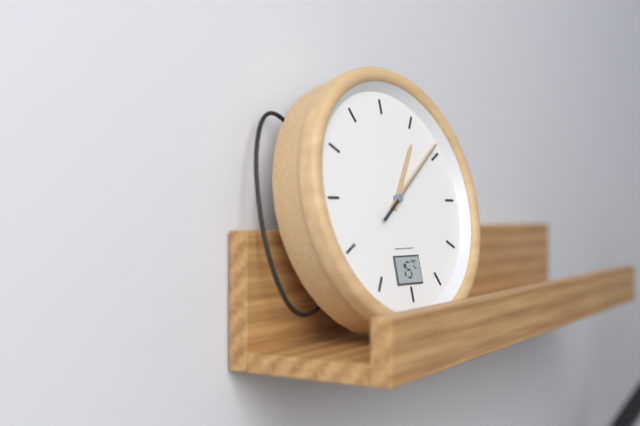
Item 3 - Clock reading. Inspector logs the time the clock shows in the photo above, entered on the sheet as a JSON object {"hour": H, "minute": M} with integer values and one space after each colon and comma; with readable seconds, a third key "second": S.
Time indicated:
{"hour": 1, "minute": 9, "second": 9}
